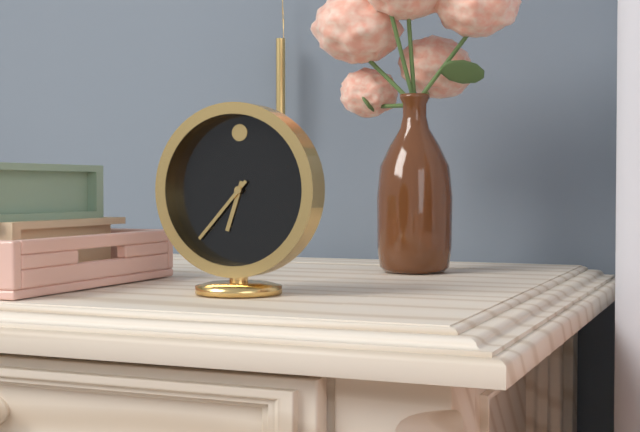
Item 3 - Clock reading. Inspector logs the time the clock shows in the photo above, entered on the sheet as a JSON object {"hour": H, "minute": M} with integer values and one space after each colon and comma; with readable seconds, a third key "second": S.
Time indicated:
{"hour": 6, "minute": 37}
